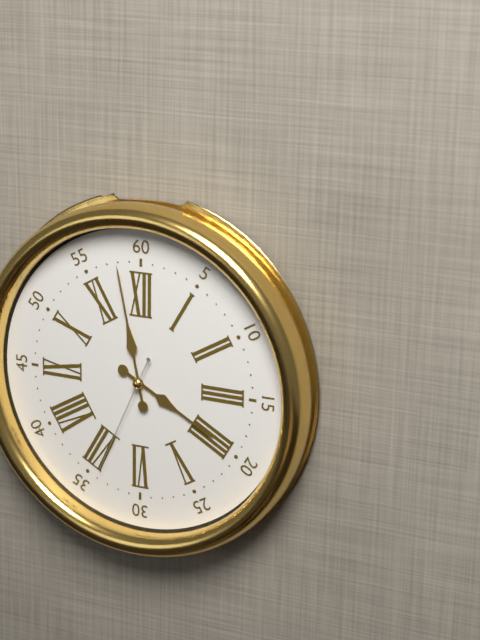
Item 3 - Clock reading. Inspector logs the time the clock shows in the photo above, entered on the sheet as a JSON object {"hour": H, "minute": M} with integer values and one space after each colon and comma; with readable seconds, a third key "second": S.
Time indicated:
{"hour": 3, "minute": 58, "second": 34}
